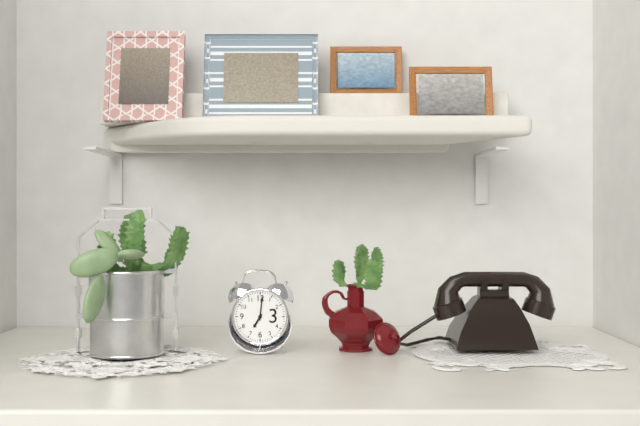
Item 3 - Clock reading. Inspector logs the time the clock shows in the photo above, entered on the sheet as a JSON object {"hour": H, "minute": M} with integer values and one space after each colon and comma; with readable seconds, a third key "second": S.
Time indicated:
{"hour": 7, "minute": 1}
